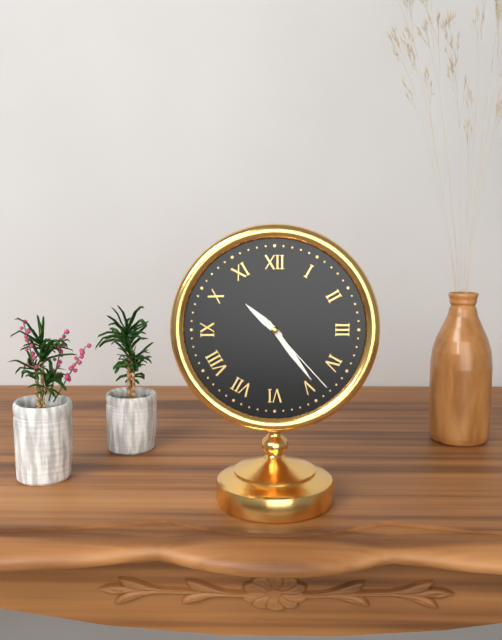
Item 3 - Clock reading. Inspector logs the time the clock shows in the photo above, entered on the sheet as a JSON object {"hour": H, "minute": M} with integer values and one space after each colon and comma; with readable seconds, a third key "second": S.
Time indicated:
{"hour": 10, "minute": 24, "second": 23}
